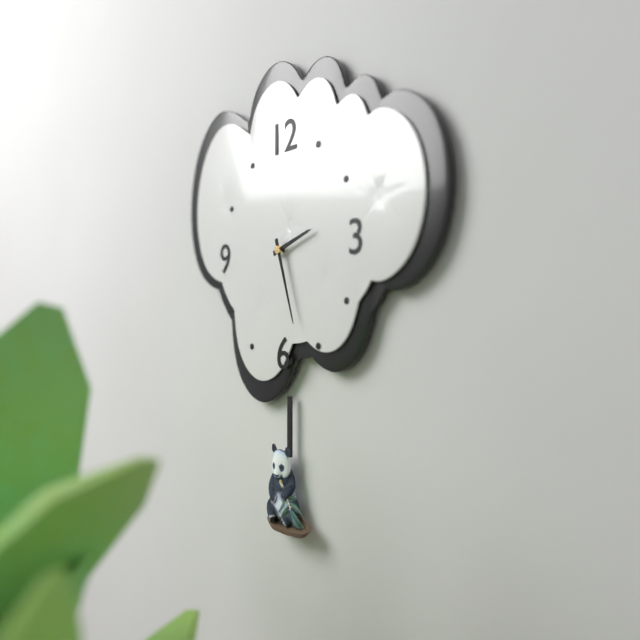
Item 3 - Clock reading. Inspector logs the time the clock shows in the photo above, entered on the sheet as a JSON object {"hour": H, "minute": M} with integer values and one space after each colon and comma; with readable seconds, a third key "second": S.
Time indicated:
{"hour": 2, "minute": 27}
